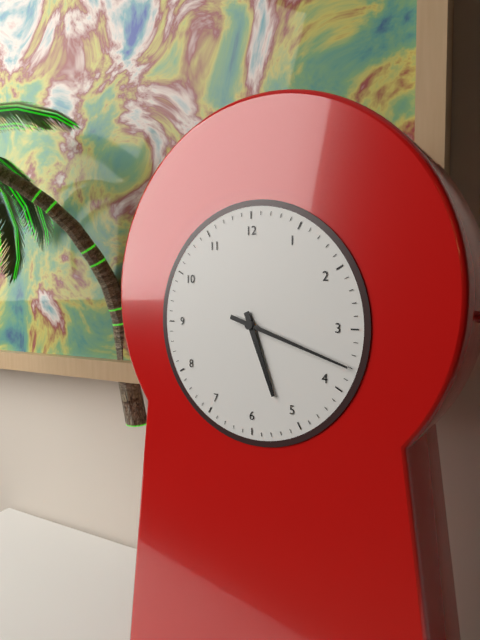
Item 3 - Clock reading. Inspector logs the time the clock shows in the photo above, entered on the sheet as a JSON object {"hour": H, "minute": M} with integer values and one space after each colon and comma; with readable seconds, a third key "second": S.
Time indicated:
{"hour": 5, "minute": 18}
